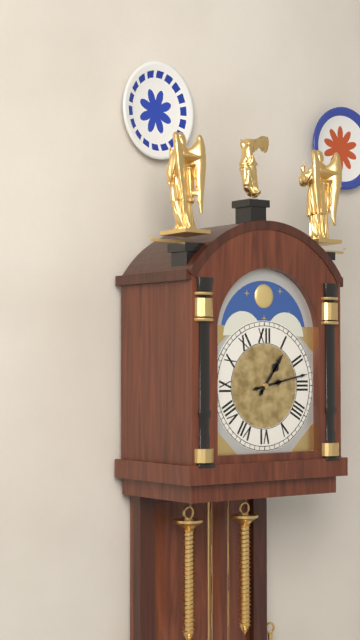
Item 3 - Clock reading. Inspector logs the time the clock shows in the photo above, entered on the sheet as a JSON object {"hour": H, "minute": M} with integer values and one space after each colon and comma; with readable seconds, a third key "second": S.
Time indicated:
{"hour": 1, "minute": 13}
